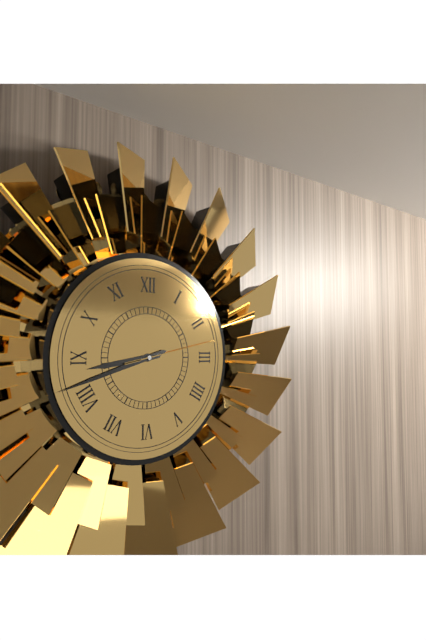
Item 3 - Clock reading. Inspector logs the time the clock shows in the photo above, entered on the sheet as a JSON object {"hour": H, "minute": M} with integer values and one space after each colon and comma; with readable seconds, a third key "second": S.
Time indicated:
{"hour": 8, "minute": 42, "second": 13}
